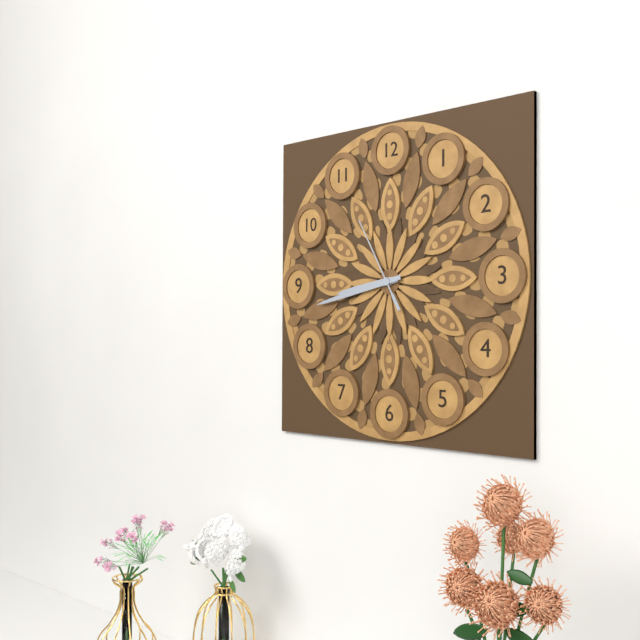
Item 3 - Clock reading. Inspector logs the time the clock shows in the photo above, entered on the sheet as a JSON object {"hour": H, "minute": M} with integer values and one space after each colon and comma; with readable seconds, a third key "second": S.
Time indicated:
{"hour": 8, "minute": 43, "second": 55}
